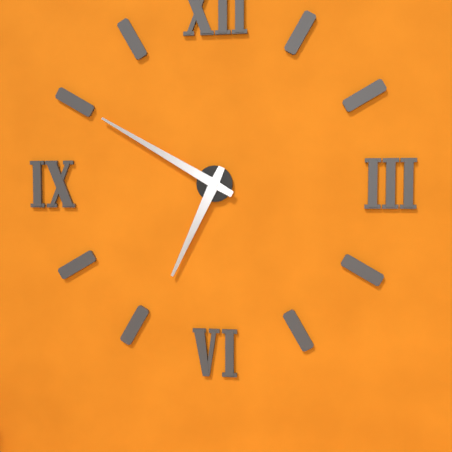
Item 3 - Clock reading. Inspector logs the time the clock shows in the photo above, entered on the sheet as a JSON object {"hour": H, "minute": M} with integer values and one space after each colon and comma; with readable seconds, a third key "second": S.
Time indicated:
{"hour": 6, "minute": 50}
